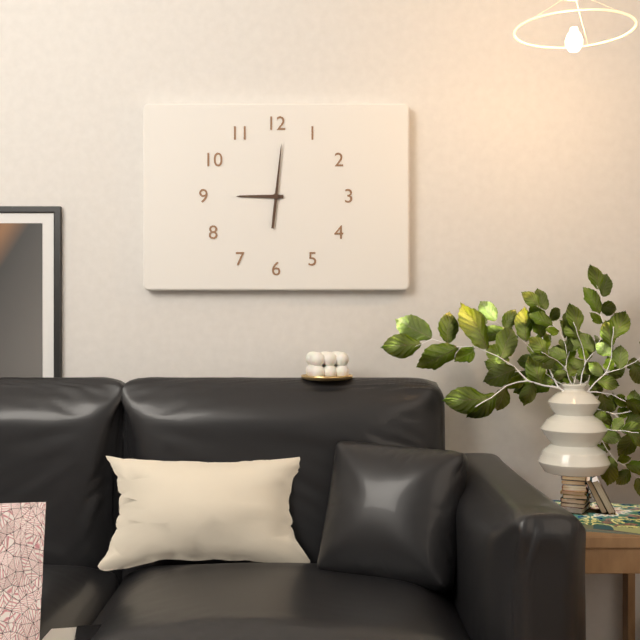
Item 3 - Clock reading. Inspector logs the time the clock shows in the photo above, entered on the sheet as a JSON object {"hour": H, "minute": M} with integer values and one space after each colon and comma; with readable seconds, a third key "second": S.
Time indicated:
{"hour": 9, "minute": 1}
